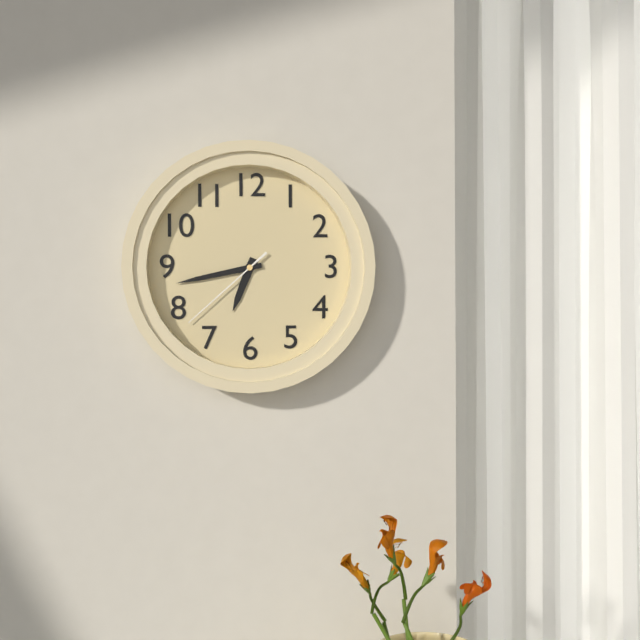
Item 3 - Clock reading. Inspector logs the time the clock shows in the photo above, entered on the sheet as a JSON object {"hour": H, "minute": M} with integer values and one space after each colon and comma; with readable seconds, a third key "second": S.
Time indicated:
{"hour": 6, "minute": 43, "second": 38}
